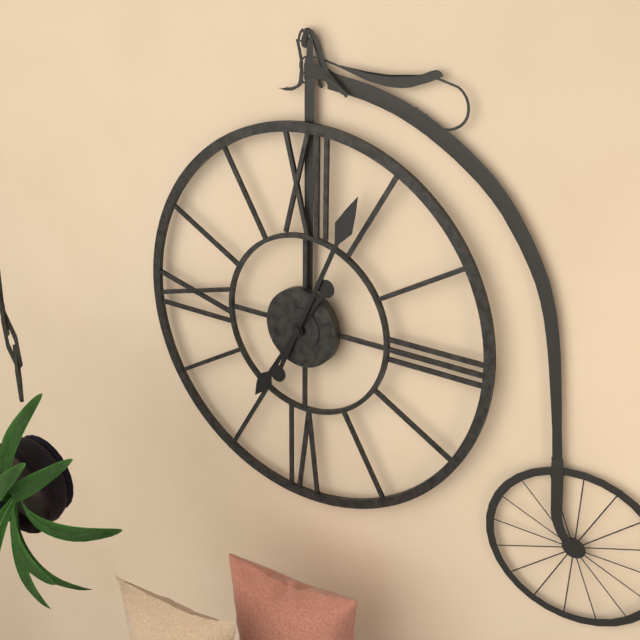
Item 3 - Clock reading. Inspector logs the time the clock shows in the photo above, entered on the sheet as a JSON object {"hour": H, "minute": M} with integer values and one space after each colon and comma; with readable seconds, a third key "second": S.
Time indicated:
{"hour": 7, "minute": 4}
